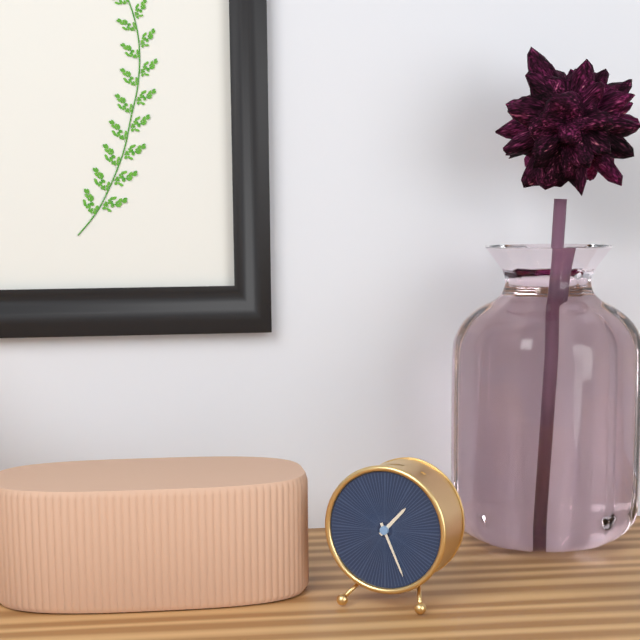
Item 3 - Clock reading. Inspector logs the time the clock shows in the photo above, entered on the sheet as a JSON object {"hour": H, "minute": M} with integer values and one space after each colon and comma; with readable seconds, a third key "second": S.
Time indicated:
{"hour": 1, "minute": 26}
